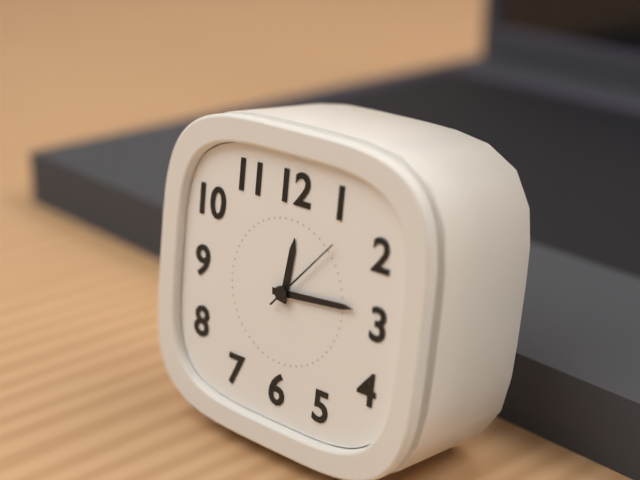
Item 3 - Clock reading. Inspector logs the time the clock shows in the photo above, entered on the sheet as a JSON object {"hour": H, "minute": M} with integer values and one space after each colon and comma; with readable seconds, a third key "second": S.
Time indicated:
{"hour": 12, "minute": 14, "second": 7}
